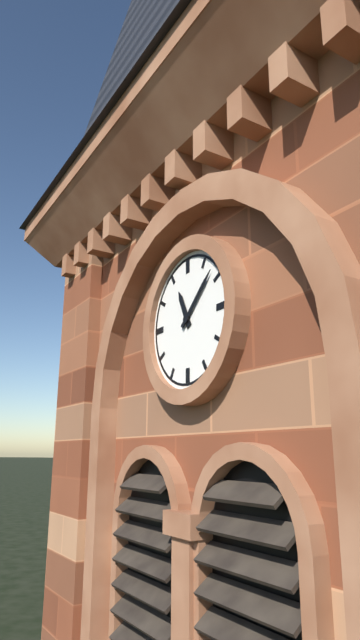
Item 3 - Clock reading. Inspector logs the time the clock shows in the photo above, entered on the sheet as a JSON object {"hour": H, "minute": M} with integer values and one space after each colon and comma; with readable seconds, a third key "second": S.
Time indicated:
{"hour": 11, "minute": 8}
